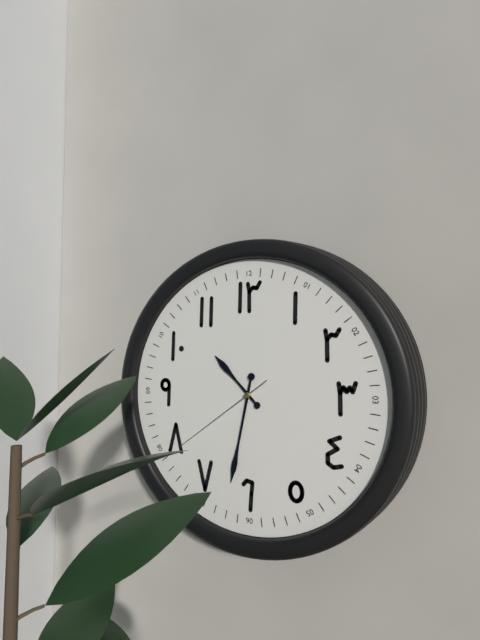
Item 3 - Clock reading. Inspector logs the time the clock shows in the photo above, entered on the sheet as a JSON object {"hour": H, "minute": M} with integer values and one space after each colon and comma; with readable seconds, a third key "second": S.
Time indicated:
{"hour": 10, "minute": 32, "second": 39}
